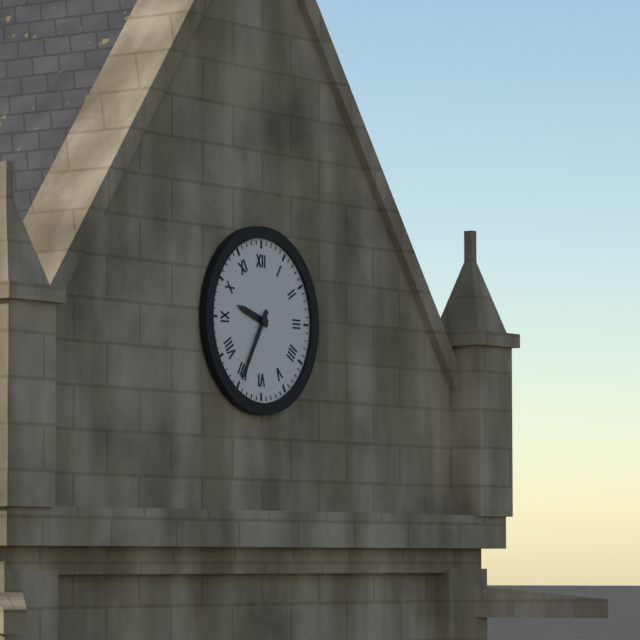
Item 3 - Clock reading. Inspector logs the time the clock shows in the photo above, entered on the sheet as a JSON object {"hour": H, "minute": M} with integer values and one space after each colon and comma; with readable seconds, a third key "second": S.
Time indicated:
{"hour": 9, "minute": 35}
